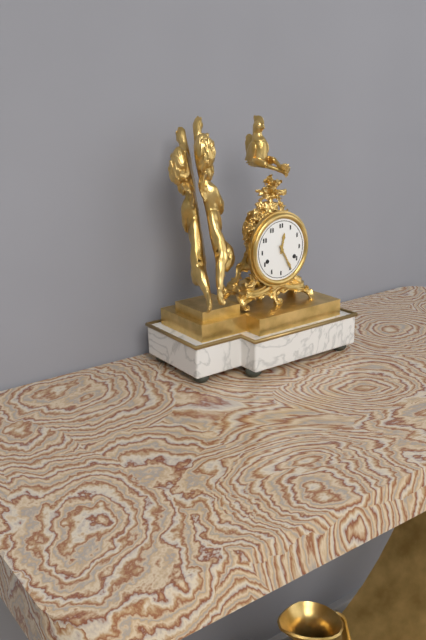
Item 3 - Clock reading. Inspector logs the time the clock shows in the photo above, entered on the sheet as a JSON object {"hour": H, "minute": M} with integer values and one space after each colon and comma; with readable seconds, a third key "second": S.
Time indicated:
{"hour": 12, "minute": 25}
